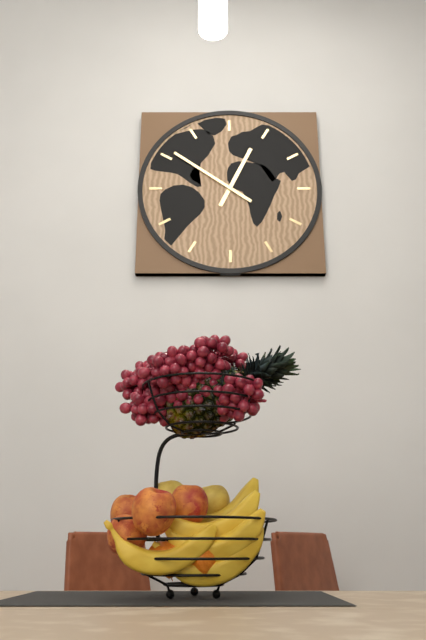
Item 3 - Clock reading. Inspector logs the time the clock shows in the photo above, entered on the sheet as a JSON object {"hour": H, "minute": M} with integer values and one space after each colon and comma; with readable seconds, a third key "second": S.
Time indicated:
{"hour": 12, "minute": 51}
